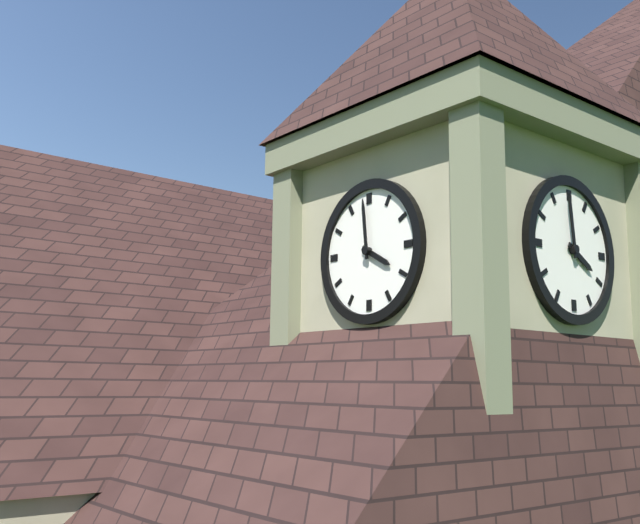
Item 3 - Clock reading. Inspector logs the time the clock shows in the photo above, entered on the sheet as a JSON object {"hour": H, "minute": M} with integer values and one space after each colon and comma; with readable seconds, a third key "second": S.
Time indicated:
{"hour": 3, "minute": 59}
